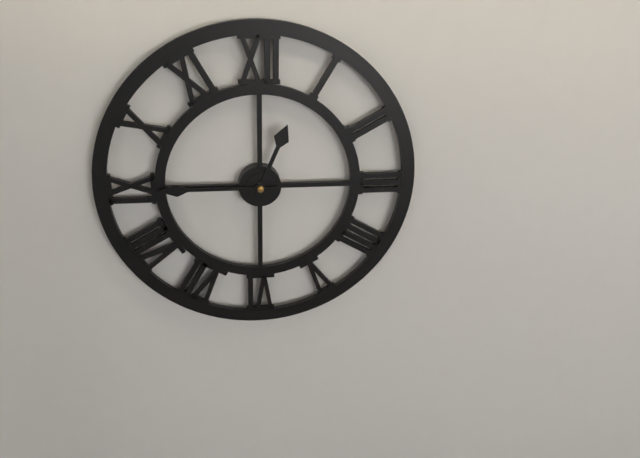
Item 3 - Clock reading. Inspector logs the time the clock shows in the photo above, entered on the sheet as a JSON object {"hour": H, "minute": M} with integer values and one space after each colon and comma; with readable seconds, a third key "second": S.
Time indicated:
{"hour": 12, "minute": 45}
